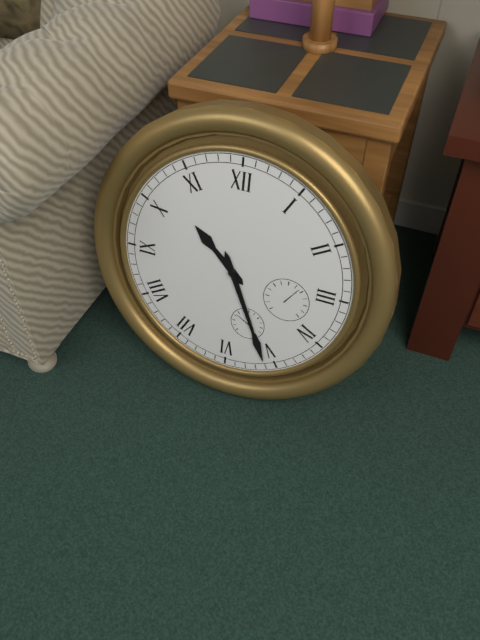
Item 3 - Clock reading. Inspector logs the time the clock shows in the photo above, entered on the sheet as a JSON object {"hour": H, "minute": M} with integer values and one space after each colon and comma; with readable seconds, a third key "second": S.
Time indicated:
{"hour": 10, "minute": 26}
